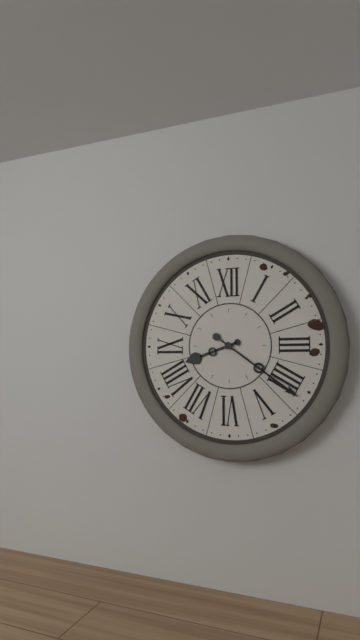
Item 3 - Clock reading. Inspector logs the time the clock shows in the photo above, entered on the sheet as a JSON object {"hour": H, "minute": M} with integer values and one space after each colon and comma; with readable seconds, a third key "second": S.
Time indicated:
{"hour": 8, "minute": 21}
